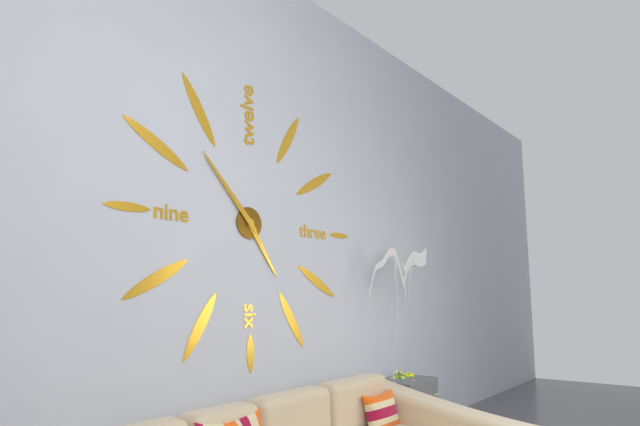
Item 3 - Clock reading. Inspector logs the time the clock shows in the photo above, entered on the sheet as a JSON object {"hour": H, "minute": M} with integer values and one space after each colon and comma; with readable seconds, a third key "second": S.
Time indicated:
{"hour": 4, "minute": 53}
